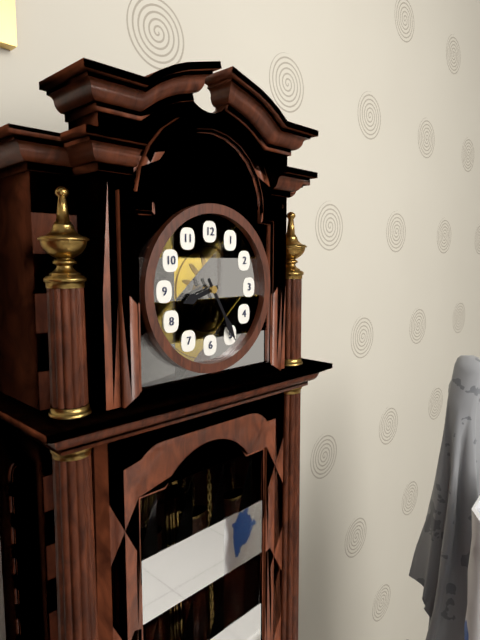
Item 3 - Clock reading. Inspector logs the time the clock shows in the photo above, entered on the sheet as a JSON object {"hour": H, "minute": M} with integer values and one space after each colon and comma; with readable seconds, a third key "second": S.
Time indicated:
{"hour": 8, "minute": 25}
